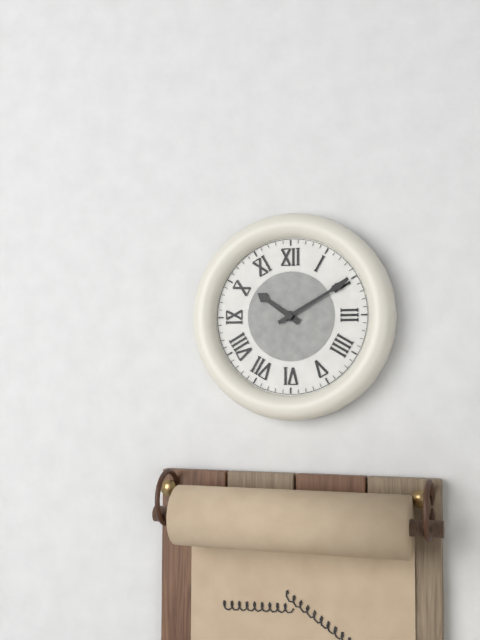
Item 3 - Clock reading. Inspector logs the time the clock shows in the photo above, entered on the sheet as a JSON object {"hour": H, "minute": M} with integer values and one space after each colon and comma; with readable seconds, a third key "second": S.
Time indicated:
{"hour": 10, "minute": 10}
